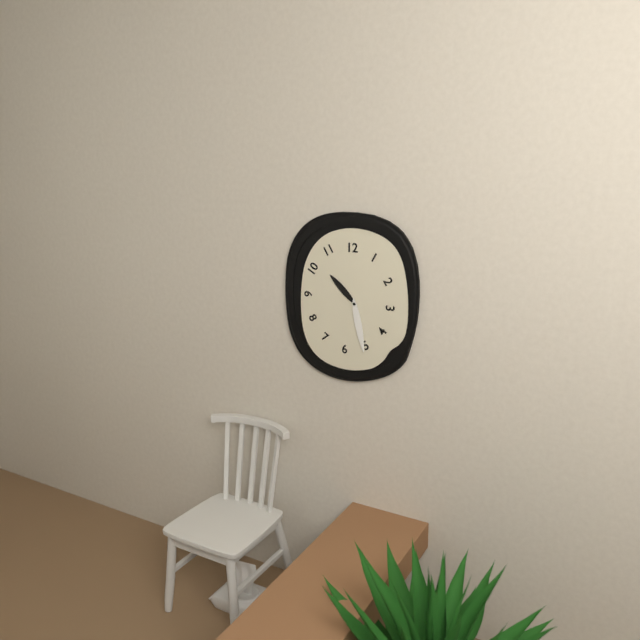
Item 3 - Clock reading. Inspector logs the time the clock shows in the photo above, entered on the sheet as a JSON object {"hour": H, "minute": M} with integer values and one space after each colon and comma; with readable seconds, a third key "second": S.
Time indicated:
{"hour": 10, "minute": 28}
